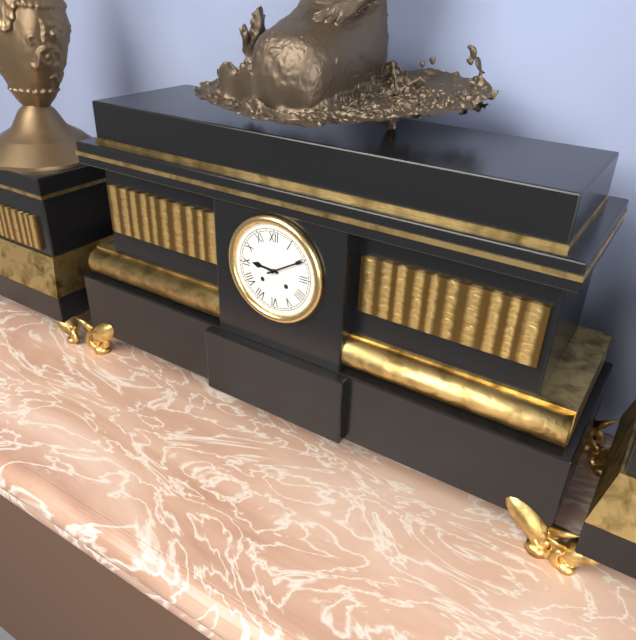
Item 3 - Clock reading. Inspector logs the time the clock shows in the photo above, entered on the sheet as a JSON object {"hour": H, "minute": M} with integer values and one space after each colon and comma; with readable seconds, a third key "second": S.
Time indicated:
{"hour": 9, "minute": 10}
